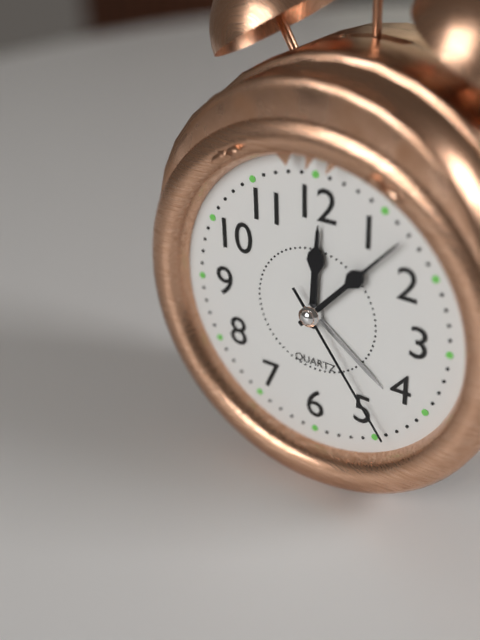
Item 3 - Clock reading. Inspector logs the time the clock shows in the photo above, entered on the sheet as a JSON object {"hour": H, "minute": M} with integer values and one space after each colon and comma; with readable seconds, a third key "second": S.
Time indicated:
{"hour": 12, "minute": 7, "second": 24}
